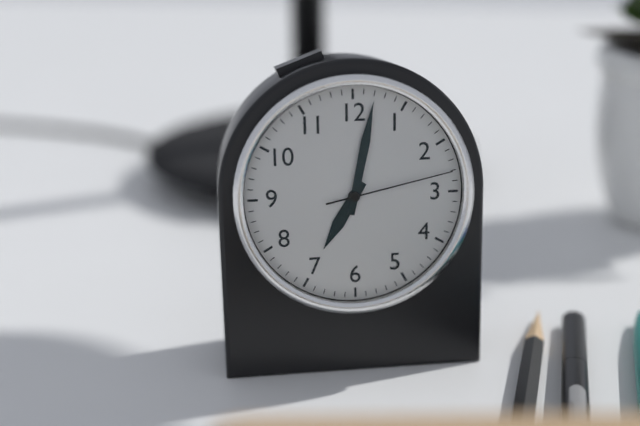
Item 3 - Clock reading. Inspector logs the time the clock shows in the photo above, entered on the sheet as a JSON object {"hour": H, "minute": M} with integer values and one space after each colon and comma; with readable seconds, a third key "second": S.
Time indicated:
{"hour": 7, "minute": 2, "second": 13}
